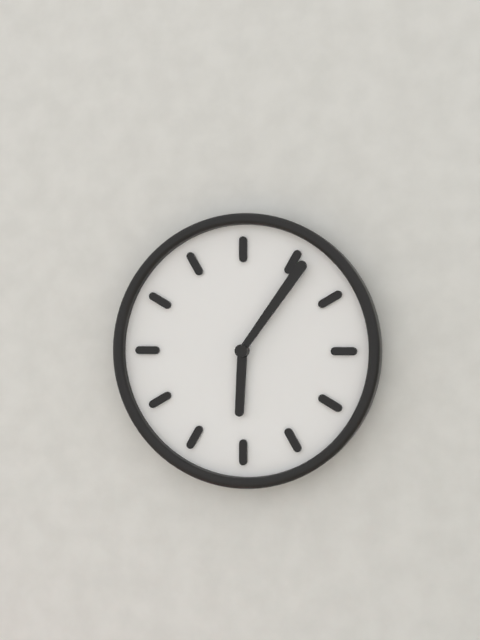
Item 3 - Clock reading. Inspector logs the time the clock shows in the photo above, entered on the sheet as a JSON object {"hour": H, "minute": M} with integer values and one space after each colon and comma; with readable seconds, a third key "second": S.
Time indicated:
{"hour": 6, "minute": 6}
